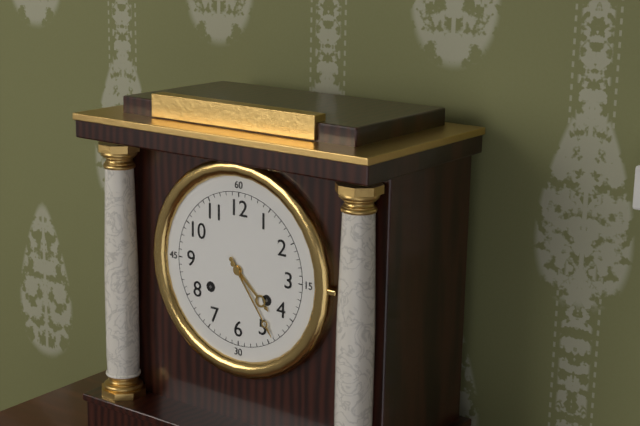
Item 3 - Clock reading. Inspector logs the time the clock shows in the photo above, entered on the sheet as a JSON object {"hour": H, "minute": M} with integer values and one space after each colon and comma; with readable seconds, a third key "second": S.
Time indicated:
{"hour": 4, "minute": 24}
